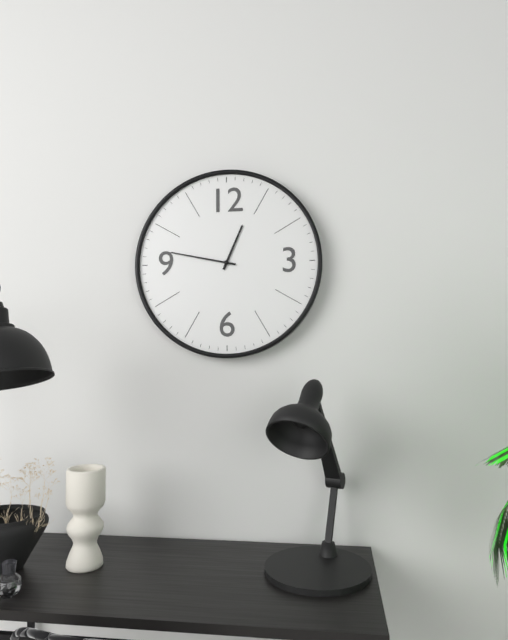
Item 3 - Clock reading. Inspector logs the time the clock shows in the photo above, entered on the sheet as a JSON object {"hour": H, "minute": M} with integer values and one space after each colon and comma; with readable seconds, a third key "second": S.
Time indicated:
{"hour": 12, "minute": 47}
